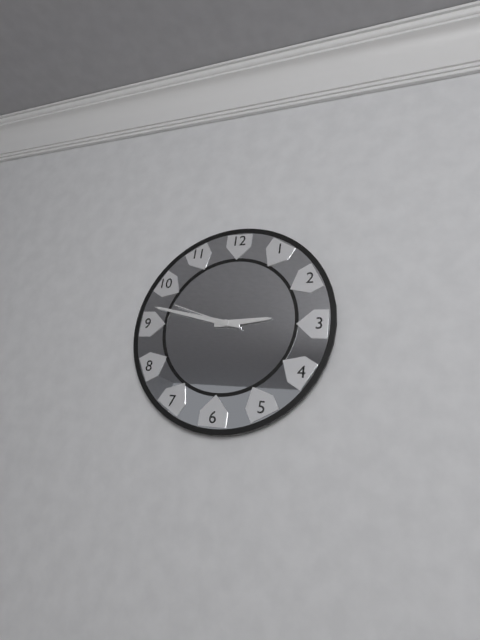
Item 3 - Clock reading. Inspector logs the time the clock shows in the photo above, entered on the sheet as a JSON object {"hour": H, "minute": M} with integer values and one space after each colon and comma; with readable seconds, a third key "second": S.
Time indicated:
{"hour": 2, "minute": 47, "second": 48}
